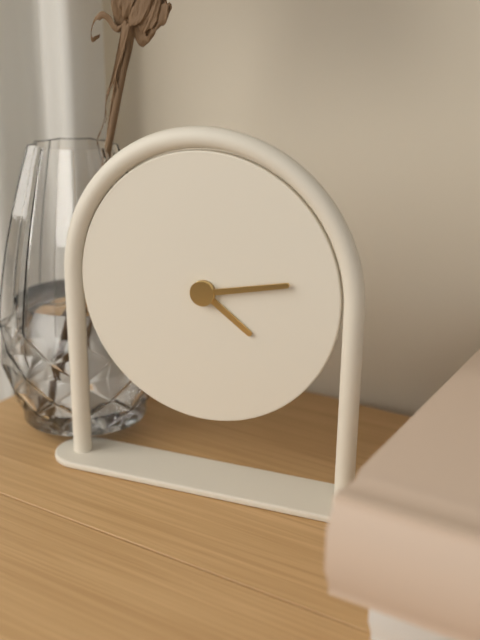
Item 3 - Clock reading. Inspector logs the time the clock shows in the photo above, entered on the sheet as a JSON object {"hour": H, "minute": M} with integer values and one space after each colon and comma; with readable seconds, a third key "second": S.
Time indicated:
{"hour": 4, "minute": 13}
